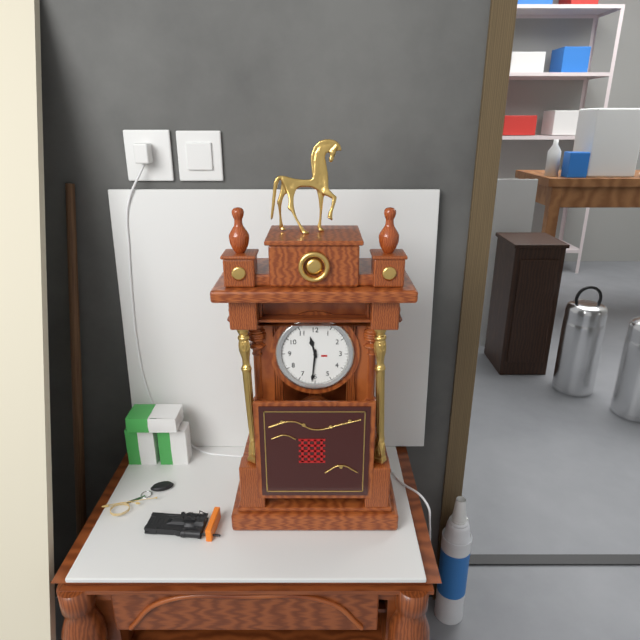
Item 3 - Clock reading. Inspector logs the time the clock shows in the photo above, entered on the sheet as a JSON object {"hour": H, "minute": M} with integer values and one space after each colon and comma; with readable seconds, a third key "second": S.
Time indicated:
{"hour": 11, "minute": 31}
